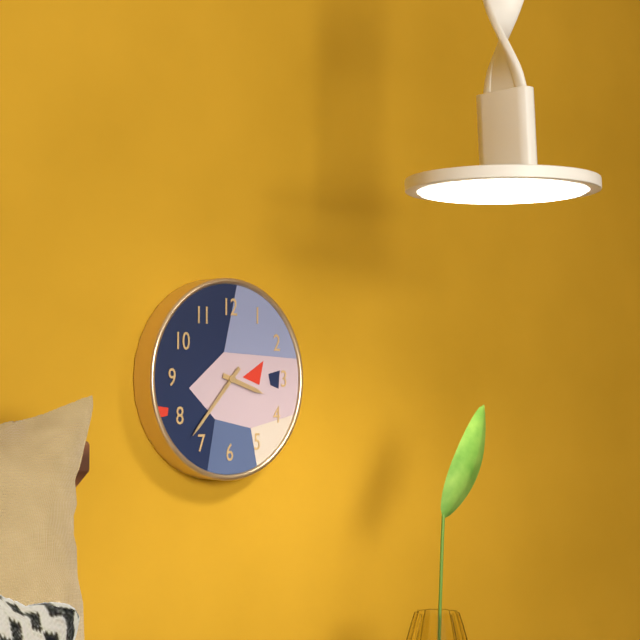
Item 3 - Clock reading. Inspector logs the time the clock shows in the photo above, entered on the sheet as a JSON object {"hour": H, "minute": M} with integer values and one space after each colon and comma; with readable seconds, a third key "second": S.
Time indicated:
{"hour": 3, "minute": 37}
